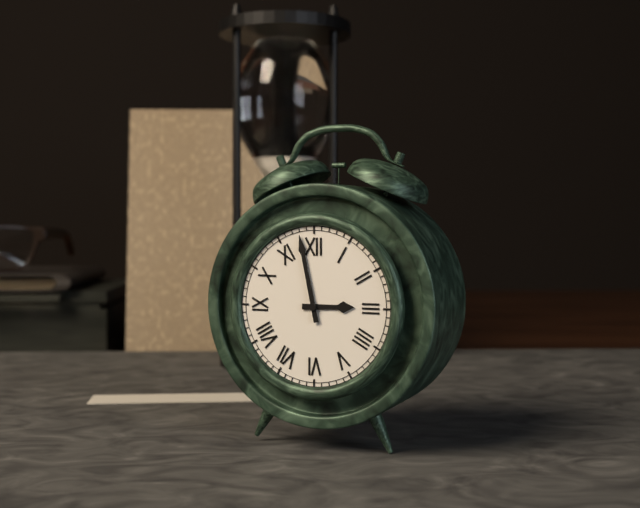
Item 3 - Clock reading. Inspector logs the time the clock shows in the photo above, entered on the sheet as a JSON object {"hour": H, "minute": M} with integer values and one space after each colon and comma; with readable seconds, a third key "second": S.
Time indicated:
{"hour": 2, "minute": 58}
